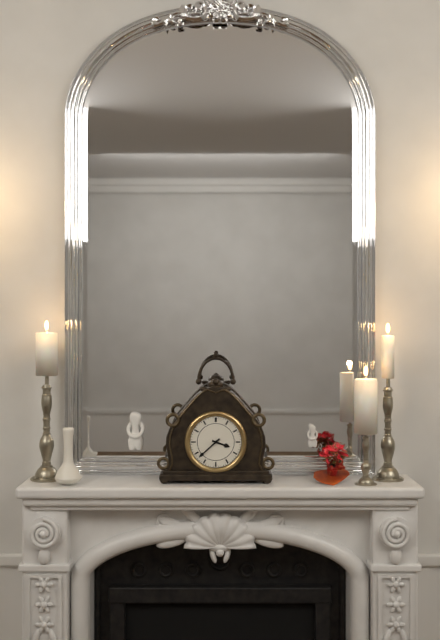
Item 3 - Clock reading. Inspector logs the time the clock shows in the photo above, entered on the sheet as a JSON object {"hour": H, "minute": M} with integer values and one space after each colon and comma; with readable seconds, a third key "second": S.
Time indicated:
{"hour": 3, "minute": 38}
